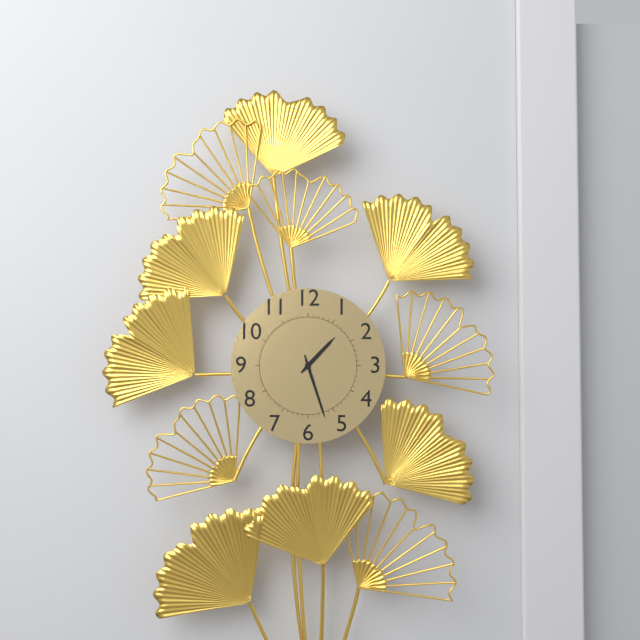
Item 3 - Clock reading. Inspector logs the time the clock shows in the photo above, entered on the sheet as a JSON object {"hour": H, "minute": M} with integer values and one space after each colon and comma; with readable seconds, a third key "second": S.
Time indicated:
{"hour": 1, "minute": 27}
